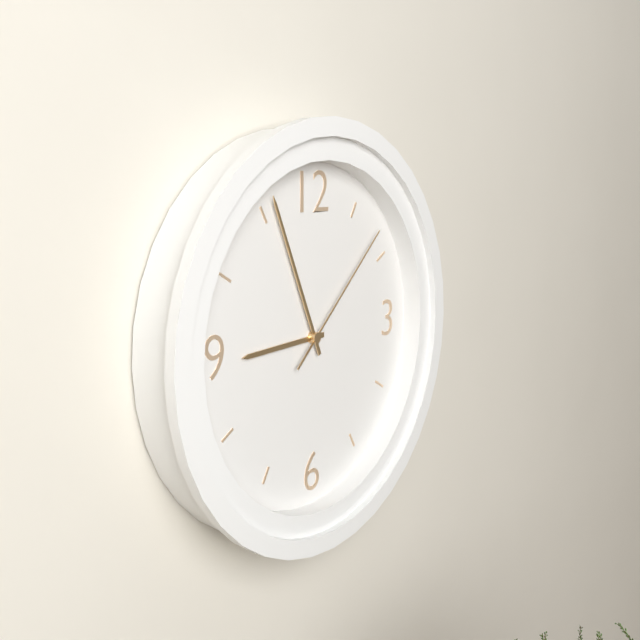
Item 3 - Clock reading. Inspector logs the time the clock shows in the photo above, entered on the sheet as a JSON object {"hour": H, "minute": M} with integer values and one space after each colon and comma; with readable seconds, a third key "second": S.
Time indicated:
{"hour": 8, "minute": 56, "second": 8}
